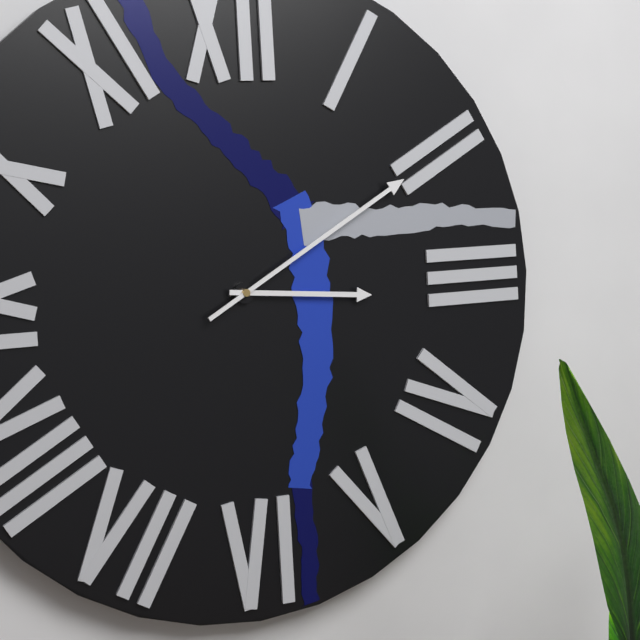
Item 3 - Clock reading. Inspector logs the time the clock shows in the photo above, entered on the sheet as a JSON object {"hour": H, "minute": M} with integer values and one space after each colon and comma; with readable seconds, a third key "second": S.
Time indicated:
{"hour": 3, "minute": 10}
